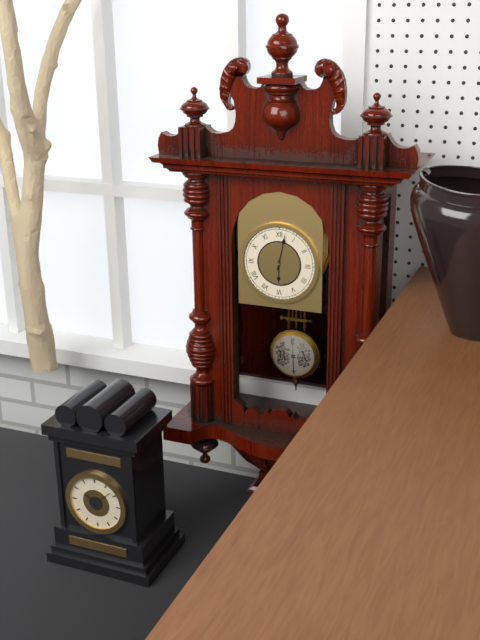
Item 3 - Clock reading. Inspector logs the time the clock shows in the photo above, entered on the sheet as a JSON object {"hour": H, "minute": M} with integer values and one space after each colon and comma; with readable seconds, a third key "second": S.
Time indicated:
{"hour": 6, "minute": 2}
